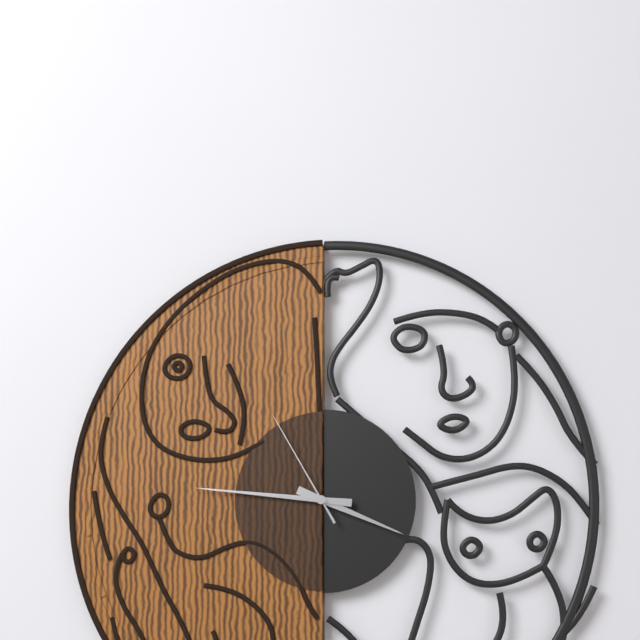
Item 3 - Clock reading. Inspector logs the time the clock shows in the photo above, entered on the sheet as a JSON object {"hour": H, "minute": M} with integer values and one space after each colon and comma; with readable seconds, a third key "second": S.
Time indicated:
{"hour": 3, "minute": 46, "second": 55}
